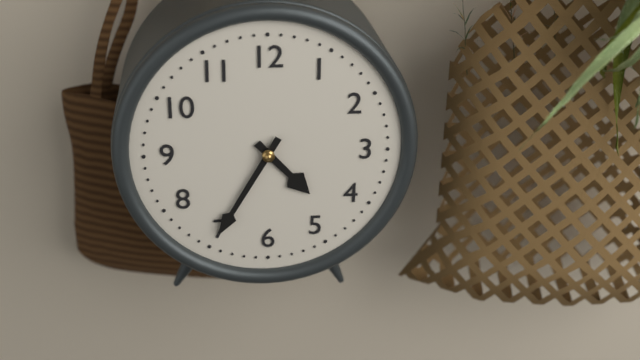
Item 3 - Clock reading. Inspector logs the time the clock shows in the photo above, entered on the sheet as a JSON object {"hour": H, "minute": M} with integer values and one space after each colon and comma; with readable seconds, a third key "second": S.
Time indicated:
{"hour": 4, "minute": 35}
